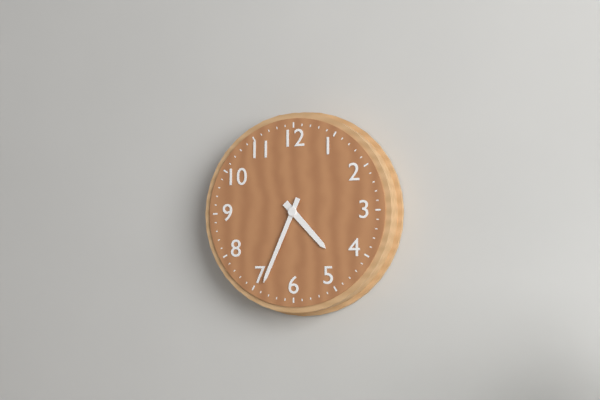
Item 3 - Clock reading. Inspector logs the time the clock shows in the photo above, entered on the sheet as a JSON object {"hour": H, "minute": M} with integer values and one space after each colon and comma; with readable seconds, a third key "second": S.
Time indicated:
{"hour": 4, "minute": 34}
